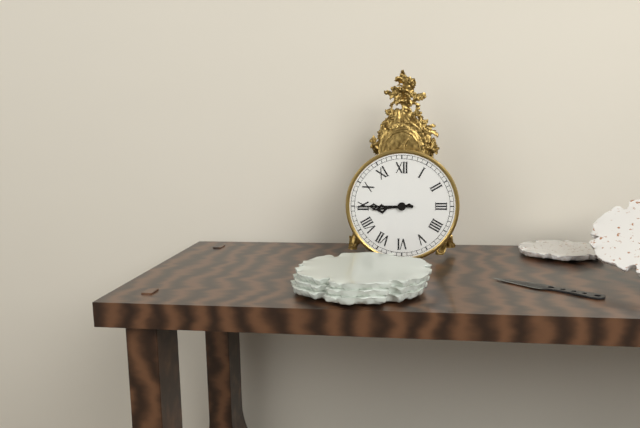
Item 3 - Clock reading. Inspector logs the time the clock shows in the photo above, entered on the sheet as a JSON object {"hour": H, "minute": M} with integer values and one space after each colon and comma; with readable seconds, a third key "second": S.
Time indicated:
{"hour": 8, "minute": 45}
